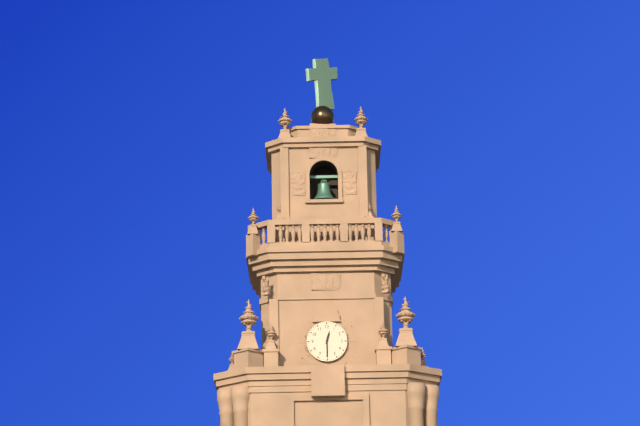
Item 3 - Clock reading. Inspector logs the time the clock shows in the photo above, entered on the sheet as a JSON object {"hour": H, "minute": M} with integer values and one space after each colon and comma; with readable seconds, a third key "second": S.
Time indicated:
{"hour": 12, "minute": 30}
